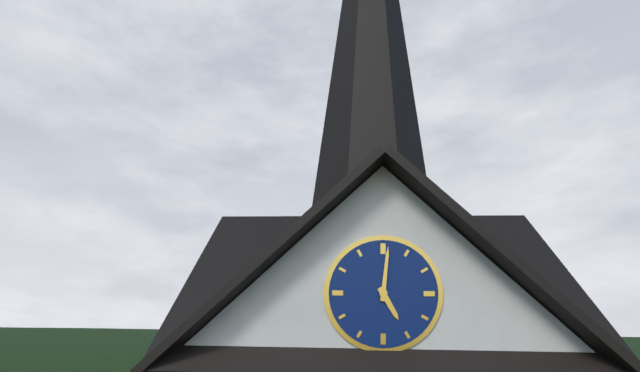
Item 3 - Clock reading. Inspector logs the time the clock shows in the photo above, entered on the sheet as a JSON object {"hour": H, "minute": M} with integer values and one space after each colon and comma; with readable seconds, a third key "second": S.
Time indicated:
{"hour": 5, "minute": 1}
